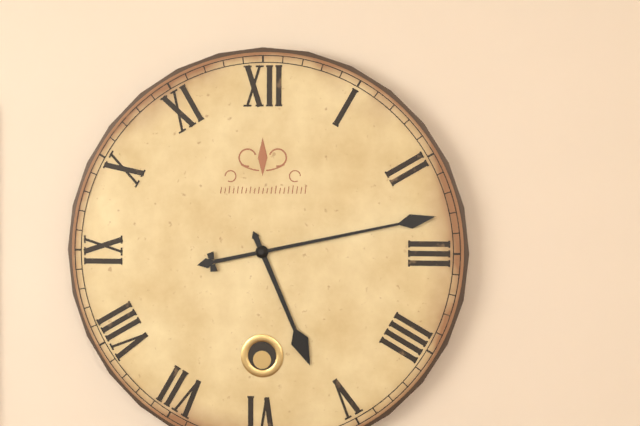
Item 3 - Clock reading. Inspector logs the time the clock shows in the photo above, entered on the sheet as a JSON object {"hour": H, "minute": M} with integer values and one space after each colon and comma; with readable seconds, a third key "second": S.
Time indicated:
{"hour": 5, "minute": 13}
